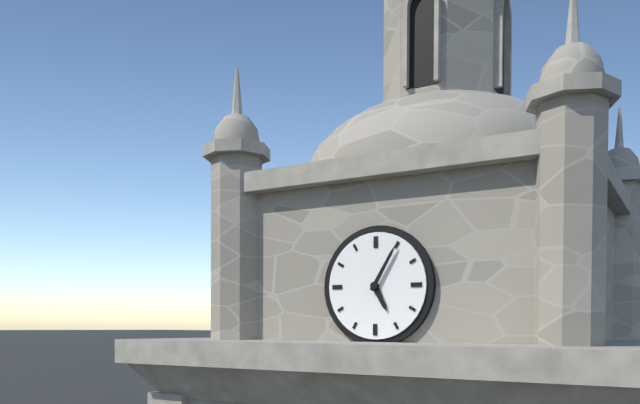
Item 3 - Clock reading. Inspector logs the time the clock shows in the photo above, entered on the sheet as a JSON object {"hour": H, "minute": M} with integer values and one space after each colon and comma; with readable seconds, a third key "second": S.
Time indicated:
{"hour": 5, "minute": 5}
